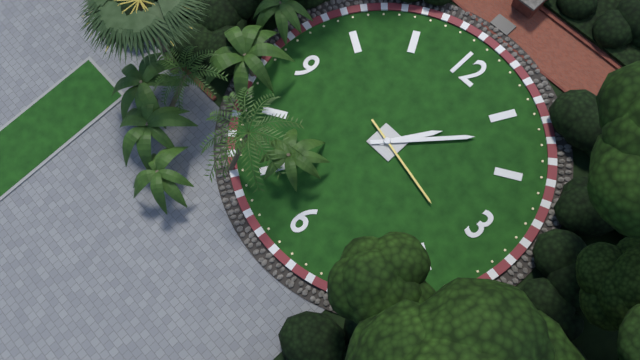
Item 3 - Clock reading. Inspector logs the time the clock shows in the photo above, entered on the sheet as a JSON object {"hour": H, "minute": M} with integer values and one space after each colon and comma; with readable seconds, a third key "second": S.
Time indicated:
{"hour": 1, "minute": 7, "second": 17}
